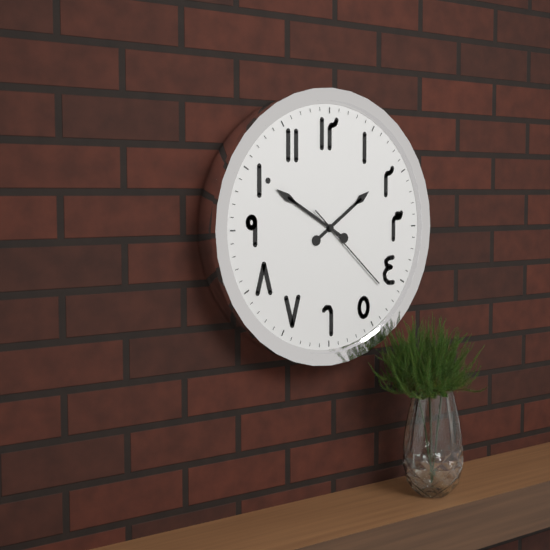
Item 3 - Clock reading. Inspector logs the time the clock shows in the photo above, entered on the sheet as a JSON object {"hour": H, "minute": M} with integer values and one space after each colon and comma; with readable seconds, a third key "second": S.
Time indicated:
{"hour": 1, "minute": 50, "second": 22}
